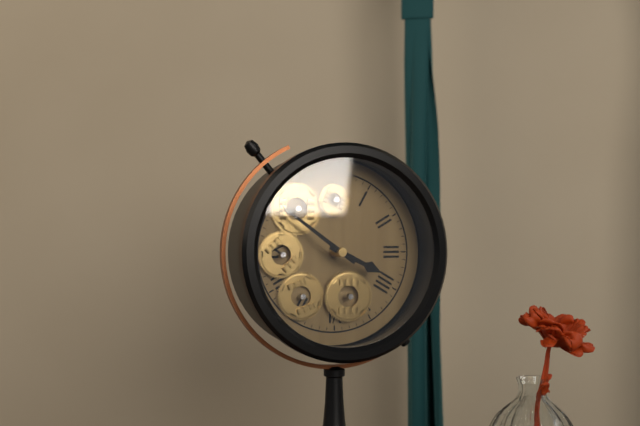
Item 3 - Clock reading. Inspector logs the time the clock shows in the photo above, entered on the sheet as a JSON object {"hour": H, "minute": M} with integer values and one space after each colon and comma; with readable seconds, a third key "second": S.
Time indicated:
{"hour": 3, "minute": 51}
